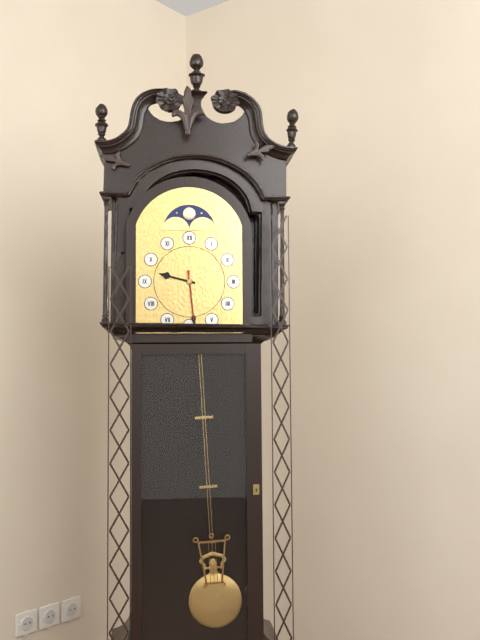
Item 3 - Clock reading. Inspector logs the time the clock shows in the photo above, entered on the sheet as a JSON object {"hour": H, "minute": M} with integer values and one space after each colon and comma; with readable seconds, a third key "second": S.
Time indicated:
{"hour": 9, "minute": 29}
